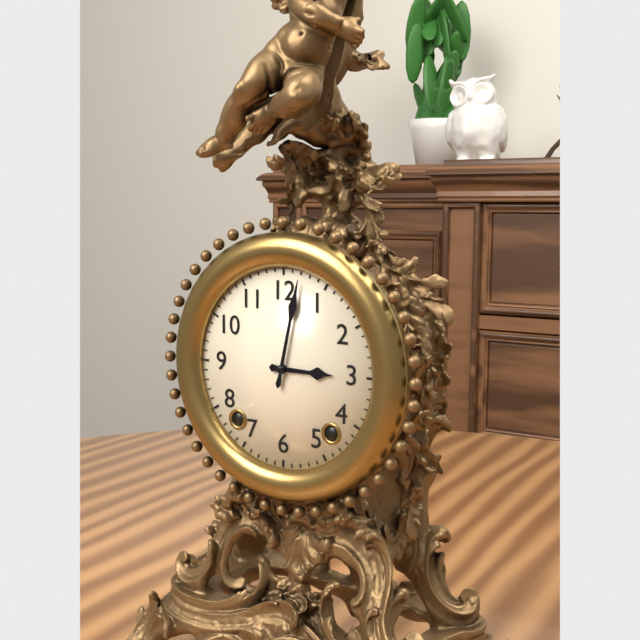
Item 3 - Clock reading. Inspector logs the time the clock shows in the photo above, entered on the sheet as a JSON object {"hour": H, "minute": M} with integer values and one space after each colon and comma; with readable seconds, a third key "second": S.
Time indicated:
{"hour": 3, "minute": 2}
